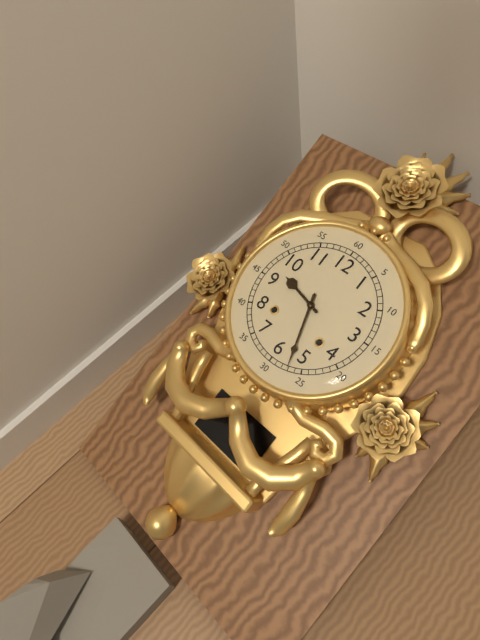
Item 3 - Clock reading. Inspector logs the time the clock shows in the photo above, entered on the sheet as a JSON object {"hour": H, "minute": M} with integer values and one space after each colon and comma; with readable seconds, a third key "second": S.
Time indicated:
{"hour": 9, "minute": 27}
